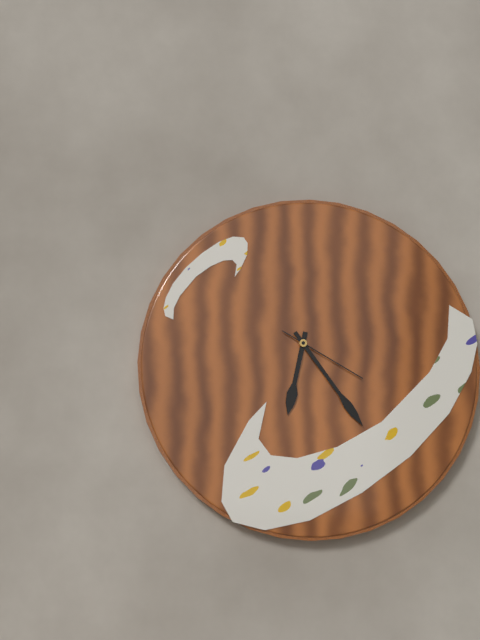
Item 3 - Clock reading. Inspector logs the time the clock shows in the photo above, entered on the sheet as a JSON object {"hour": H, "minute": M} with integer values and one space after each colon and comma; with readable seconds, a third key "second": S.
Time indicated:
{"hour": 6, "minute": 24, "second": 20}
